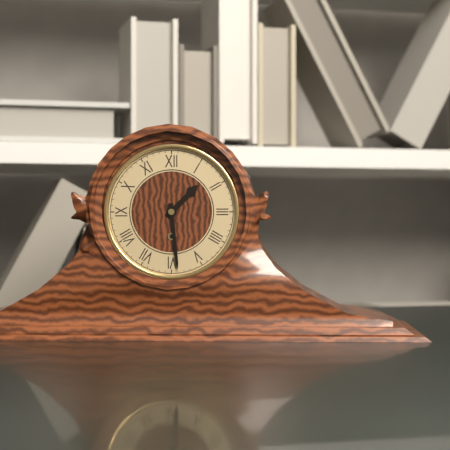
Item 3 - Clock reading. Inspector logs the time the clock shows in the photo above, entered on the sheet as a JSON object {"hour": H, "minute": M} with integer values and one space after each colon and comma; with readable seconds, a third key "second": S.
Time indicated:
{"hour": 1, "minute": 29}
